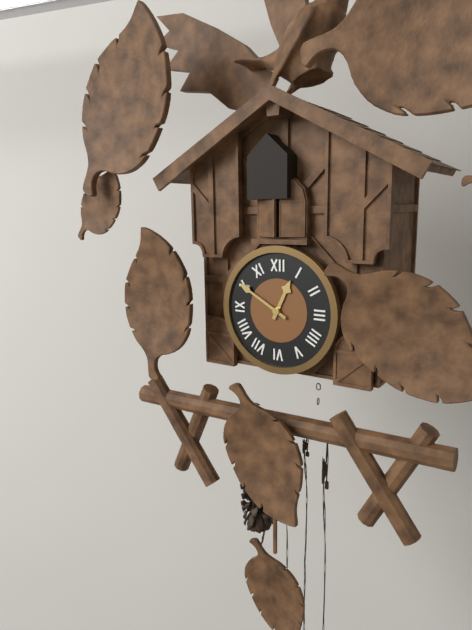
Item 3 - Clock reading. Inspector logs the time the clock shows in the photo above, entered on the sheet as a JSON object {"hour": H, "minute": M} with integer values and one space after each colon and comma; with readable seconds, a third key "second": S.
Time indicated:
{"hour": 12, "minute": 50}
